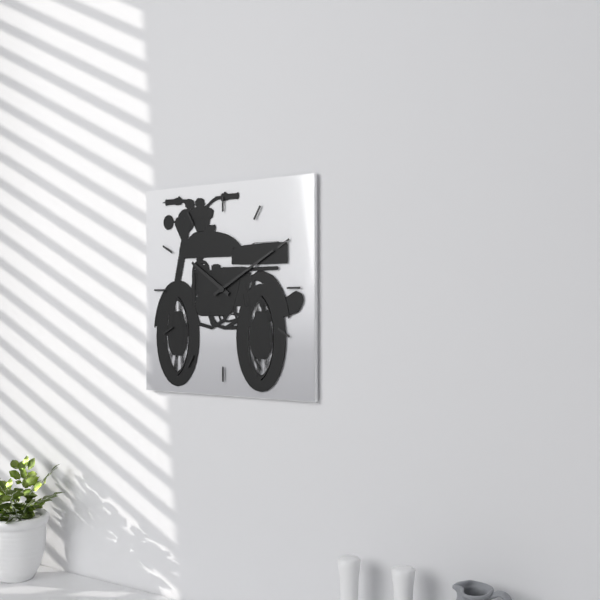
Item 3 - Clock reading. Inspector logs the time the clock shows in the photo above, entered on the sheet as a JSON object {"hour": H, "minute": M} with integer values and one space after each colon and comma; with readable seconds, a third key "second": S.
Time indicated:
{"hour": 10, "minute": 10}
